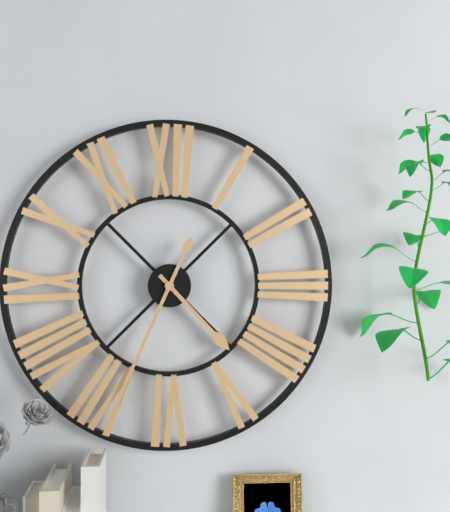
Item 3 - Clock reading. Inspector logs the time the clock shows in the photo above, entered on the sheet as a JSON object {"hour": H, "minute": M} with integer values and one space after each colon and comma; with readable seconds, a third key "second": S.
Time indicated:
{"hour": 4, "minute": 34}
